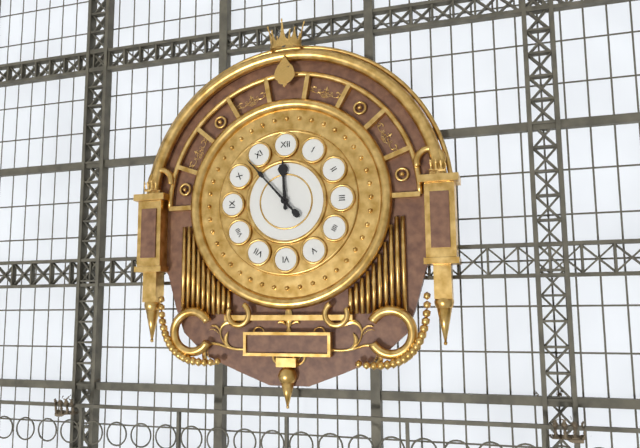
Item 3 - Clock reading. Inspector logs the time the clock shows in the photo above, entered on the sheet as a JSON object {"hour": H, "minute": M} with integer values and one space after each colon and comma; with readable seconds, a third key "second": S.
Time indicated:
{"hour": 11, "minute": 53}
